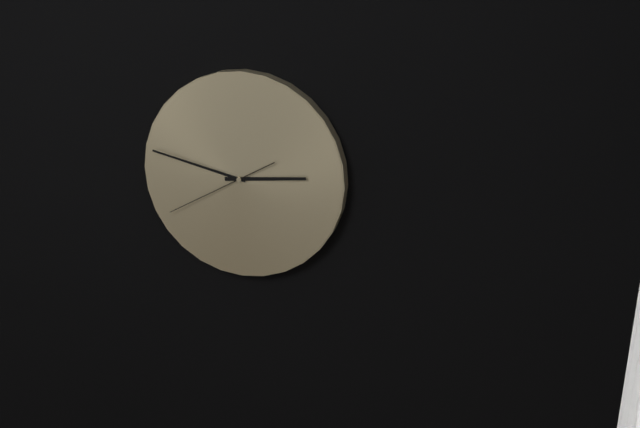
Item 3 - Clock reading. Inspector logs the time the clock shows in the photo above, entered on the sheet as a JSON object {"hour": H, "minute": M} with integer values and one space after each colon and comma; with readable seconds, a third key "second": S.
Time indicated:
{"hour": 2, "minute": 47, "second": 40}
